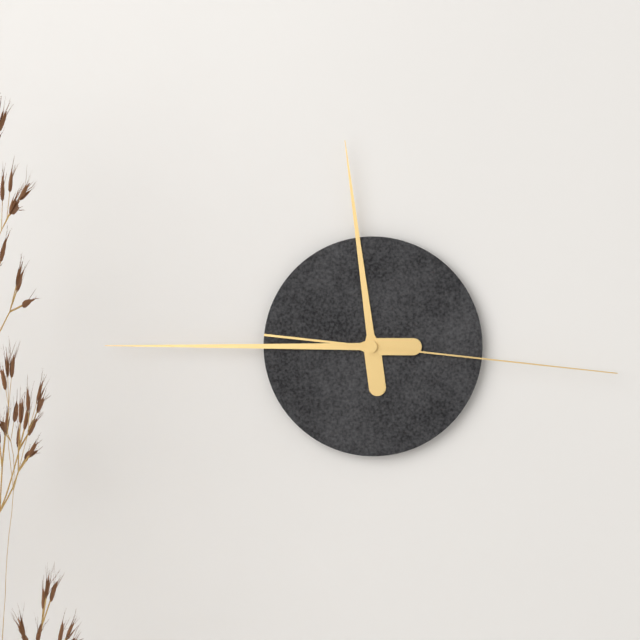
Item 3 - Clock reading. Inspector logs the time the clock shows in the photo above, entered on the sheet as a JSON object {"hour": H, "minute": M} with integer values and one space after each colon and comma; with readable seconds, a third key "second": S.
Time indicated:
{"hour": 11, "minute": 45, "second": 16}
